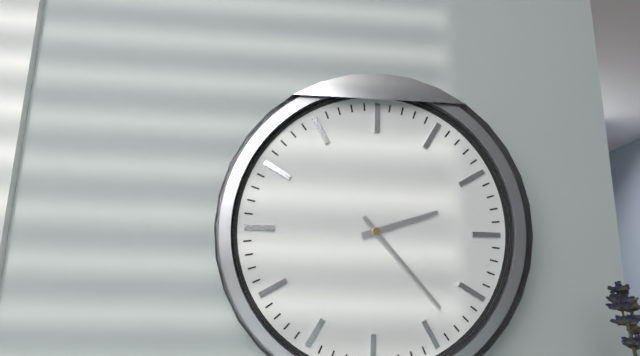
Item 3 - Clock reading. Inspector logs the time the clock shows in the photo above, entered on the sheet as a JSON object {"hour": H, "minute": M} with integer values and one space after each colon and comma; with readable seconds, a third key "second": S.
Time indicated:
{"hour": 2, "minute": 23}
